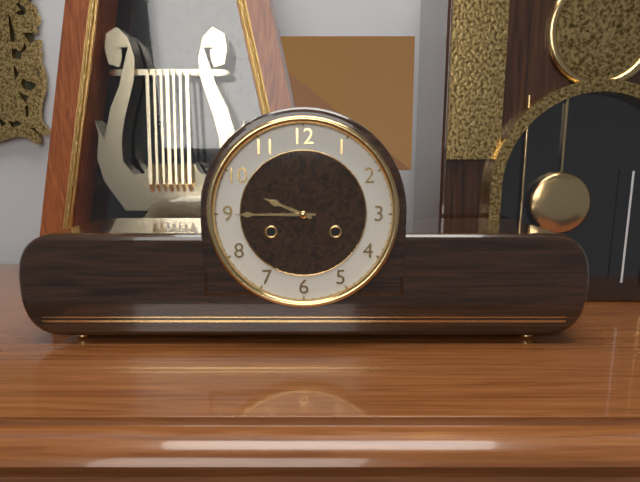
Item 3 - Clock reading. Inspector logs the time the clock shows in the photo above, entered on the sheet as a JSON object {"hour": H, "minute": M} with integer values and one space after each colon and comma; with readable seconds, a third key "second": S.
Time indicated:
{"hour": 9, "minute": 45}
